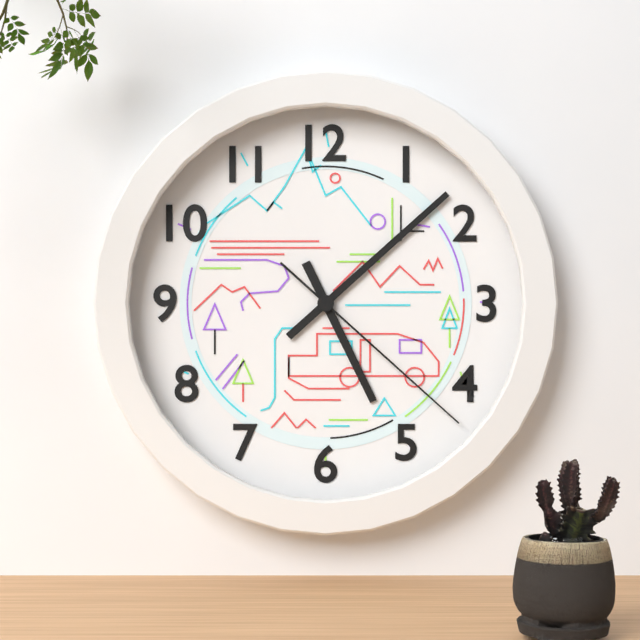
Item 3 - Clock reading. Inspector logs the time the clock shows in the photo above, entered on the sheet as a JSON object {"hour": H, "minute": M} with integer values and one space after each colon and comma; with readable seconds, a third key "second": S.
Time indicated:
{"hour": 5, "minute": 8, "second": 22}
